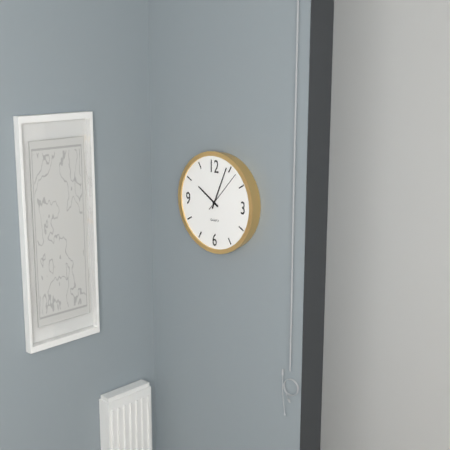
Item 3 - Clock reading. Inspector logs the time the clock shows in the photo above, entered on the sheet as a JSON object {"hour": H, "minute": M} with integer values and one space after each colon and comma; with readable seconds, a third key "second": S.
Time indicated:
{"hour": 10, "minute": 4}
